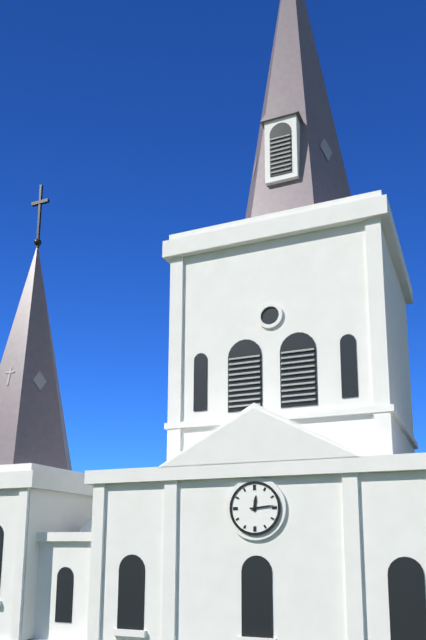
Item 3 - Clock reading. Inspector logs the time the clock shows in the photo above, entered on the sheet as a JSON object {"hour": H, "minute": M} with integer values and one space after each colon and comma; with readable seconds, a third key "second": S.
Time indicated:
{"hour": 12, "minute": 14}
